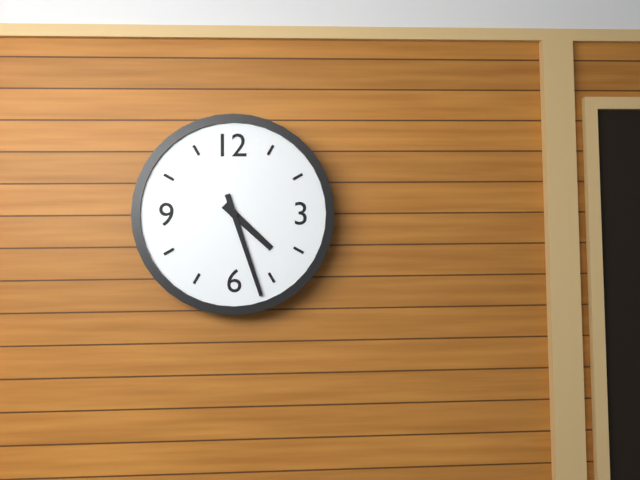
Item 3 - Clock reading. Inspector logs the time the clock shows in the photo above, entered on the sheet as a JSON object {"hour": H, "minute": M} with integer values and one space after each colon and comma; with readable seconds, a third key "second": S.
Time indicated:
{"hour": 4, "minute": 27}
